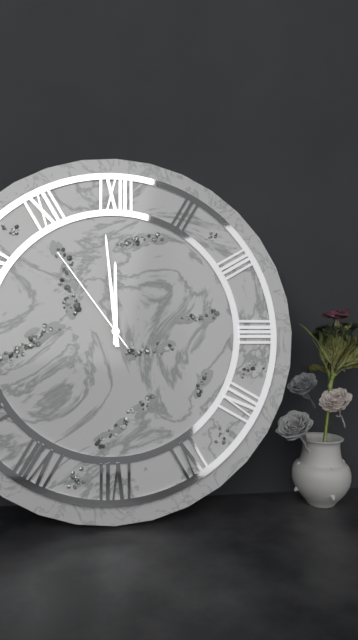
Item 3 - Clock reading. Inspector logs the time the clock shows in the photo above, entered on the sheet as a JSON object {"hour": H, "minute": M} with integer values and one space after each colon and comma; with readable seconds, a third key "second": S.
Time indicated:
{"hour": 11, "minute": 59, "second": 54}
